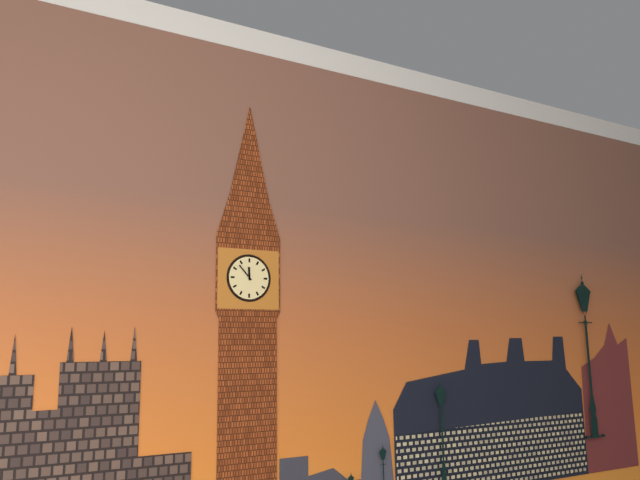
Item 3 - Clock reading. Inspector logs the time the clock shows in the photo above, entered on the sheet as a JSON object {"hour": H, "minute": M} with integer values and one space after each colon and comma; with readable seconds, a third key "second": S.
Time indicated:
{"hour": 11, "minute": 53}
